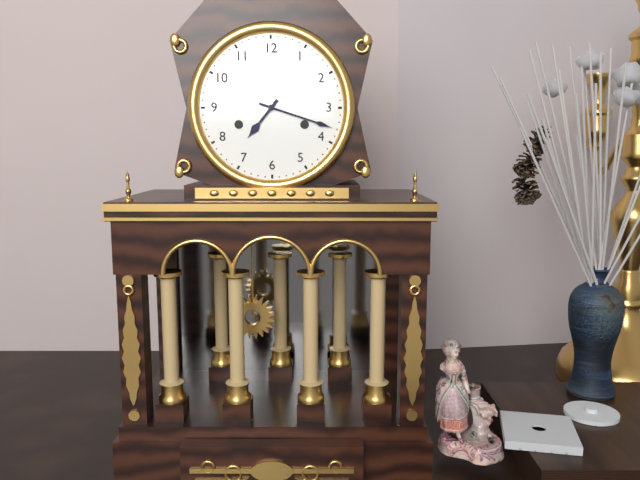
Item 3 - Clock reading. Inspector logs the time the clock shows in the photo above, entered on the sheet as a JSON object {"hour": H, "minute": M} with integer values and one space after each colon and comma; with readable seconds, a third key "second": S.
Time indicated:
{"hour": 7, "minute": 18}
